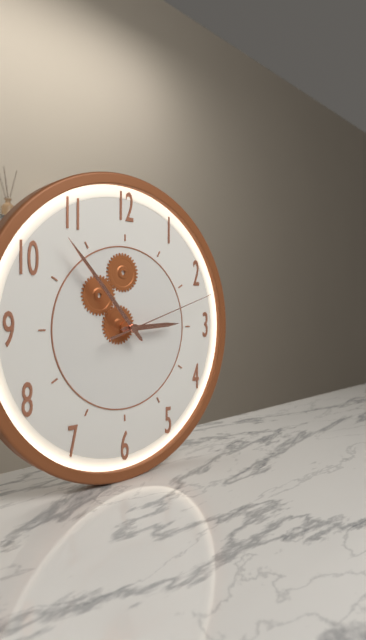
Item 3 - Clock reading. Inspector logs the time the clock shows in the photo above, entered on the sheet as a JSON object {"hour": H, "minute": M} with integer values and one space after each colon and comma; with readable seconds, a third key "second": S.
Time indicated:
{"hour": 2, "minute": 53, "second": 12}
